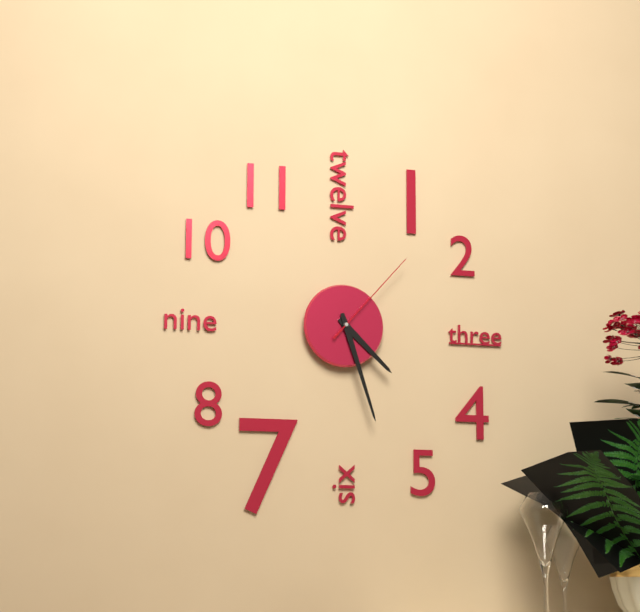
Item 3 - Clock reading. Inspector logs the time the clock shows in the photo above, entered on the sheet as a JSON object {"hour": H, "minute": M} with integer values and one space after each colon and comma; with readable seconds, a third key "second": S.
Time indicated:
{"hour": 4, "minute": 27, "second": 7}
